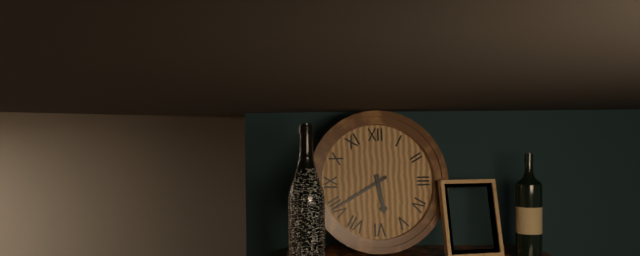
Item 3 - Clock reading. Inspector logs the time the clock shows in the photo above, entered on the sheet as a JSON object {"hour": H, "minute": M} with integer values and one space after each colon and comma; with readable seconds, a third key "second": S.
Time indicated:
{"hour": 5, "minute": 40}
